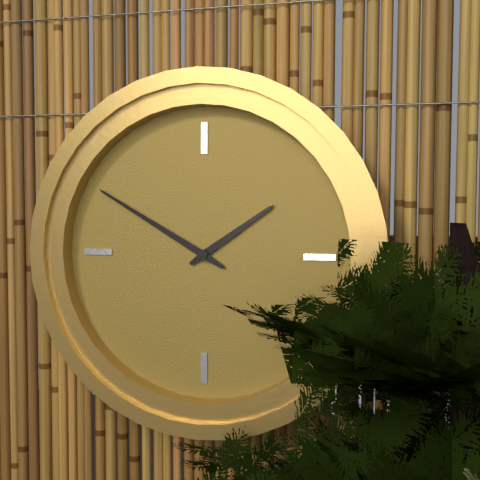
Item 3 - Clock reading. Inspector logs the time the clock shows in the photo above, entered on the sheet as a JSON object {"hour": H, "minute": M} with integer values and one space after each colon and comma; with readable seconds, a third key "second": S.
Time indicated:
{"hour": 1, "minute": 50}
